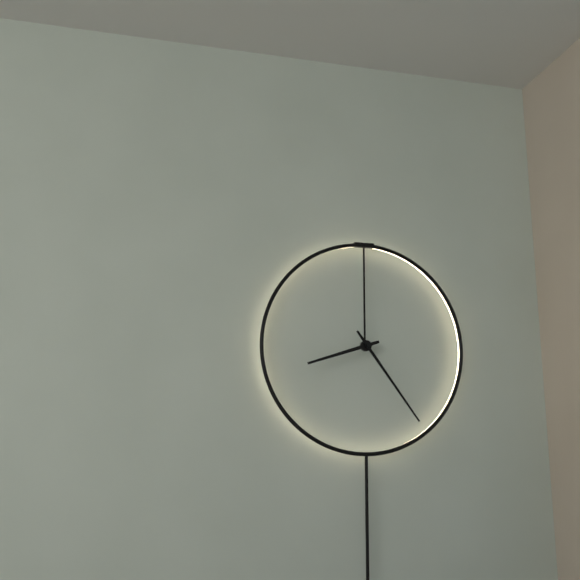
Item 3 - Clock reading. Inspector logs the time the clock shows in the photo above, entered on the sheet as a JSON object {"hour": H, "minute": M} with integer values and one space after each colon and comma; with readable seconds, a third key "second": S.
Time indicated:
{"hour": 8, "minute": 24}
